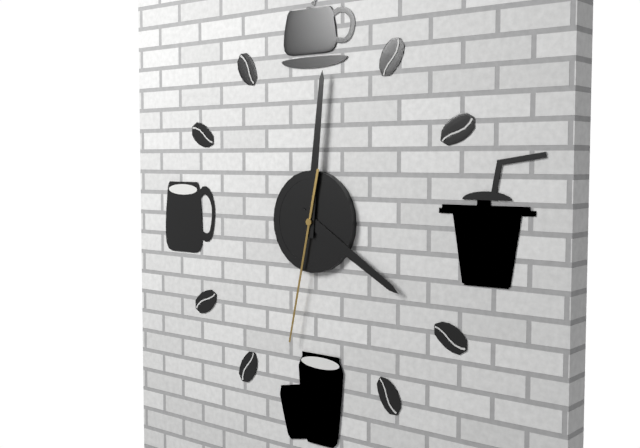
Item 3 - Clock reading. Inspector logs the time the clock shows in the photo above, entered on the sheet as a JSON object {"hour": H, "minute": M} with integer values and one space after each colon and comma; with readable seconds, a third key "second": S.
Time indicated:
{"hour": 4, "minute": 1, "second": 32}
